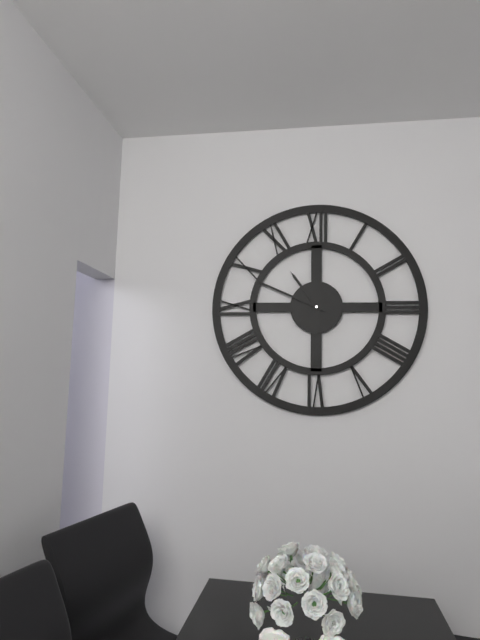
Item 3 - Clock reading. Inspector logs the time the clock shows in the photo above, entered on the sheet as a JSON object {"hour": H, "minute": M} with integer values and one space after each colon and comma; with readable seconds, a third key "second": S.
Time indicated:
{"hour": 10, "minute": 49}
